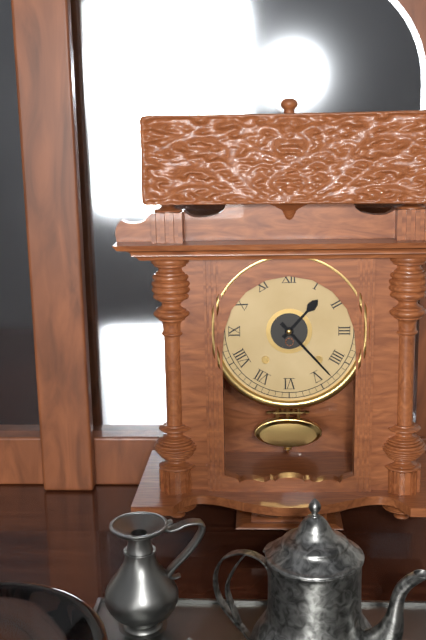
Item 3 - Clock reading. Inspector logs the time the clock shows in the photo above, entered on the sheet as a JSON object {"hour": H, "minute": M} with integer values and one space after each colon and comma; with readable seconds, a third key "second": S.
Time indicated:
{"hour": 1, "minute": 23}
